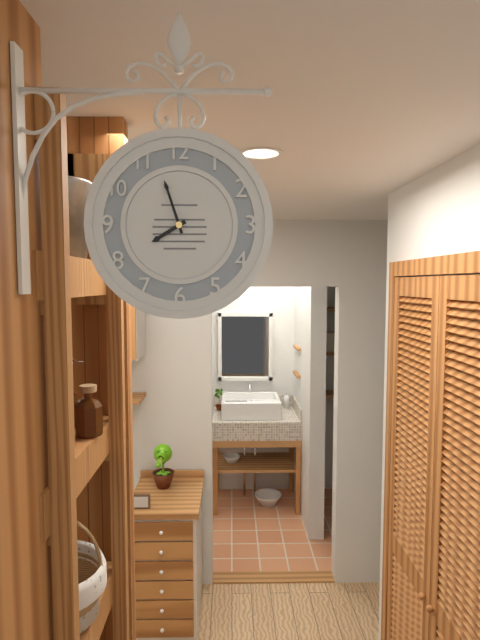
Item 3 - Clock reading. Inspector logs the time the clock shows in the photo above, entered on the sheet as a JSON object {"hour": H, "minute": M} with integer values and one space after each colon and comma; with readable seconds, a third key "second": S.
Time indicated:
{"hour": 7, "minute": 57}
